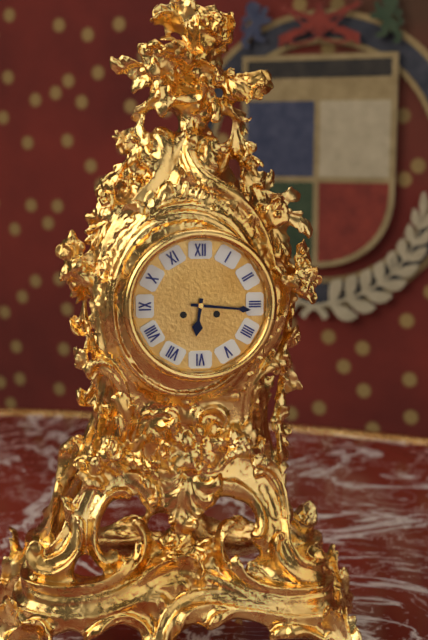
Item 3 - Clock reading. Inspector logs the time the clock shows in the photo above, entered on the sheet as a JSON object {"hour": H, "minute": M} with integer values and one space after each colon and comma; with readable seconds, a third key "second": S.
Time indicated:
{"hour": 6, "minute": 16}
